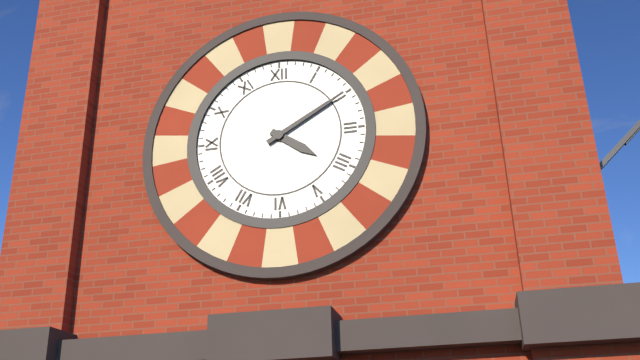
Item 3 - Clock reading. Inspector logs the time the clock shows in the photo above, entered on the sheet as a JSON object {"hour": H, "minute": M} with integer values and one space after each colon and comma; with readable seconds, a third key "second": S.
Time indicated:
{"hour": 4, "minute": 10}
